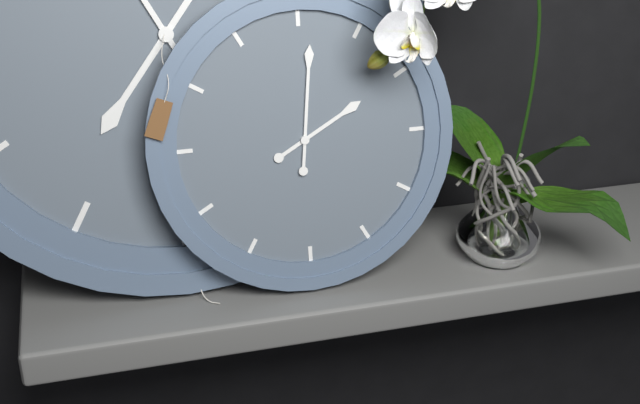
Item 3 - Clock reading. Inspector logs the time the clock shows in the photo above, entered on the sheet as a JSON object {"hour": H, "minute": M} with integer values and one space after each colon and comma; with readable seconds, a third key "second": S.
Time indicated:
{"hour": 2, "minute": 1}
